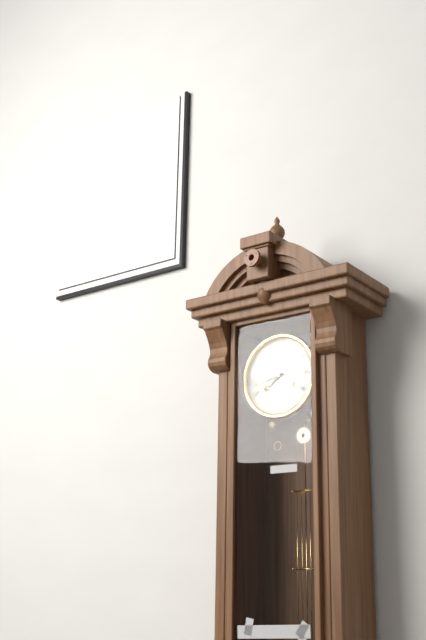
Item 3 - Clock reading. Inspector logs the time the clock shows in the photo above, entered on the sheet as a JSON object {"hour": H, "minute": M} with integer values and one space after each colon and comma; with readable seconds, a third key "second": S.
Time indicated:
{"hour": 7, "minute": 43}
